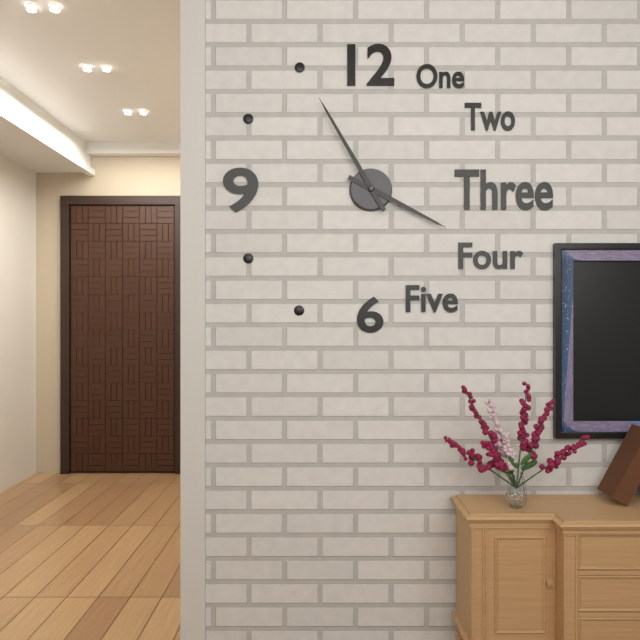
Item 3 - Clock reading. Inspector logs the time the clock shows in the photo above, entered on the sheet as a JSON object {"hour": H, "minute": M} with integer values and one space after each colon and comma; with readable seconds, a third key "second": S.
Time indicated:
{"hour": 3, "minute": 55}
